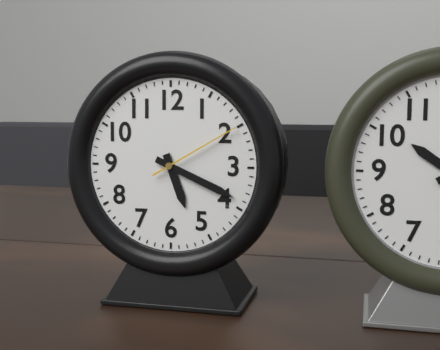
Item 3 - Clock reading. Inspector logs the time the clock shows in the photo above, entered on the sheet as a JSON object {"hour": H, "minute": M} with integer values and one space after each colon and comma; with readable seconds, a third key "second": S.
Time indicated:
{"hour": 5, "minute": 19, "second": 10}
